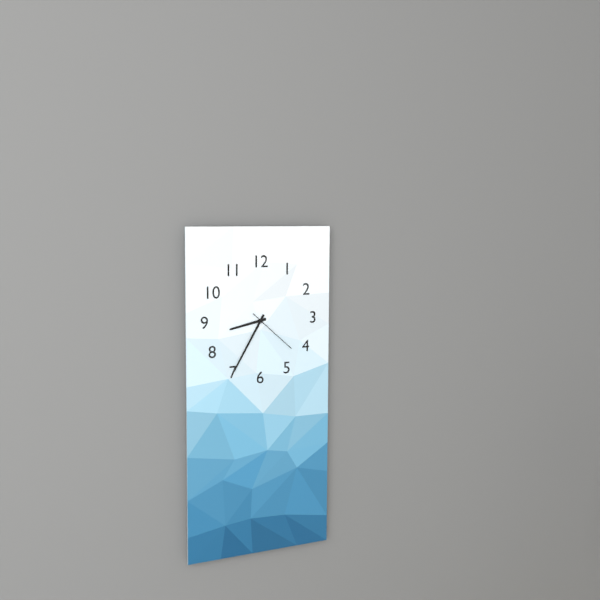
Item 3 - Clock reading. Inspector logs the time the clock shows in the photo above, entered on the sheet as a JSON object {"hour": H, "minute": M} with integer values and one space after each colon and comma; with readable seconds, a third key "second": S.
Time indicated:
{"hour": 8, "minute": 35, "second": 22}
